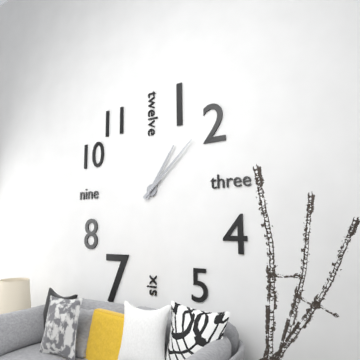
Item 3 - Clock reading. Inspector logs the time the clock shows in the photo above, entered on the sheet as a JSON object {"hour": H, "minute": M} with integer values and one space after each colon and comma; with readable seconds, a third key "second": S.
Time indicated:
{"hour": 1, "minute": 8}
